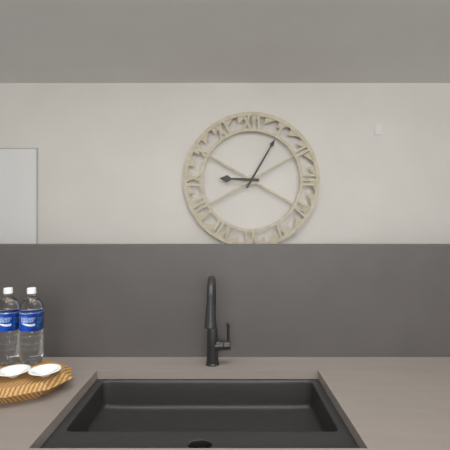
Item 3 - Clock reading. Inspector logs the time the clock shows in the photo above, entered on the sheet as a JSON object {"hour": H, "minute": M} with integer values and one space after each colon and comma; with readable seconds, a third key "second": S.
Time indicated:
{"hour": 9, "minute": 5}
